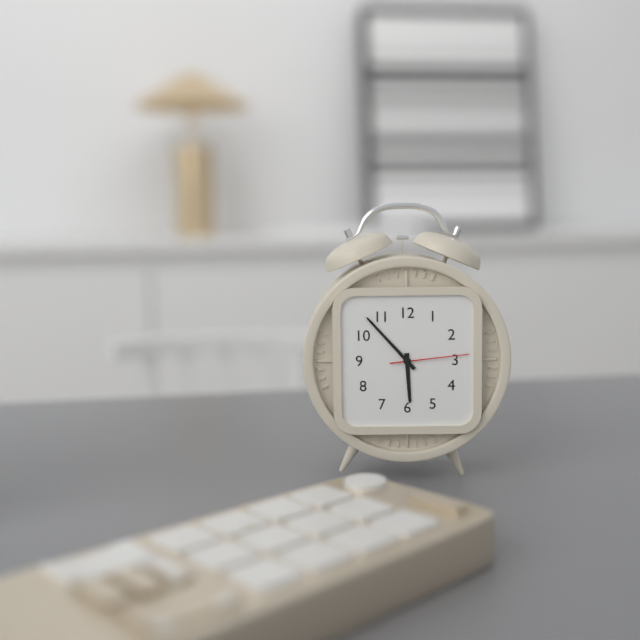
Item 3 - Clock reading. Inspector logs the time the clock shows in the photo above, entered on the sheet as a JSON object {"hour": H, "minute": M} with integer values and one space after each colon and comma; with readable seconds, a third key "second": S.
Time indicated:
{"hour": 5, "minute": 53, "second": 14}
